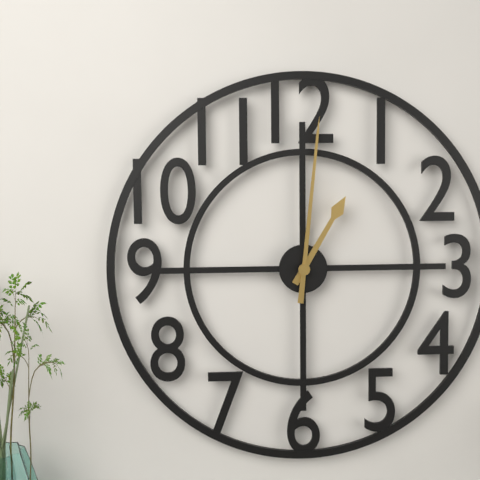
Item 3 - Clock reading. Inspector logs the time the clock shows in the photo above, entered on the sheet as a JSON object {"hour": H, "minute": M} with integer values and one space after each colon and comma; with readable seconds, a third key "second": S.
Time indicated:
{"hour": 1, "minute": 1}
